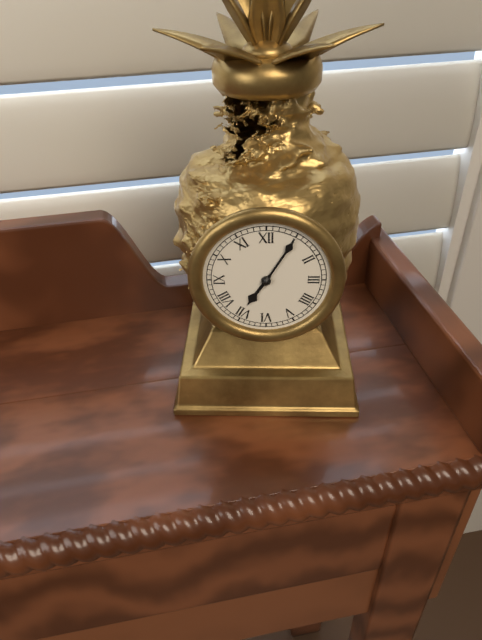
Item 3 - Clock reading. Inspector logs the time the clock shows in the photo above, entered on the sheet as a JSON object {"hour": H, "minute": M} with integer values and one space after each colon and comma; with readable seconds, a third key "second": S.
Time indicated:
{"hour": 7, "minute": 5}
